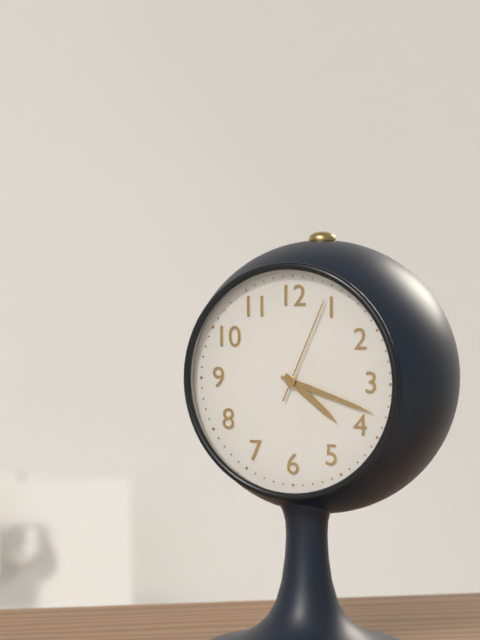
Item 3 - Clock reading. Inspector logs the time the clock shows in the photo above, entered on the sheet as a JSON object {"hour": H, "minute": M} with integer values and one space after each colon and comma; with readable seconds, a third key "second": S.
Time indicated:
{"hour": 4, "minute": 18, "second": 4}
